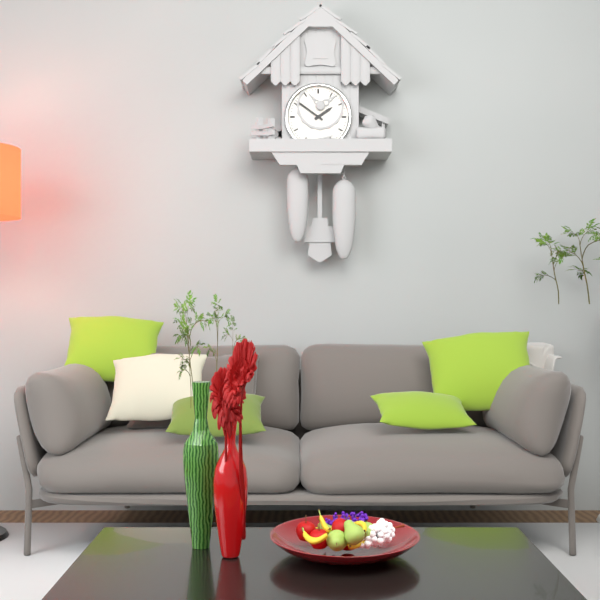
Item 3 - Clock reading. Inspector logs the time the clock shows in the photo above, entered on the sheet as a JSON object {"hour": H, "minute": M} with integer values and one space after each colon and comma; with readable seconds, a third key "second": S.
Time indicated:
{"hour": 1, "minute": 51}
